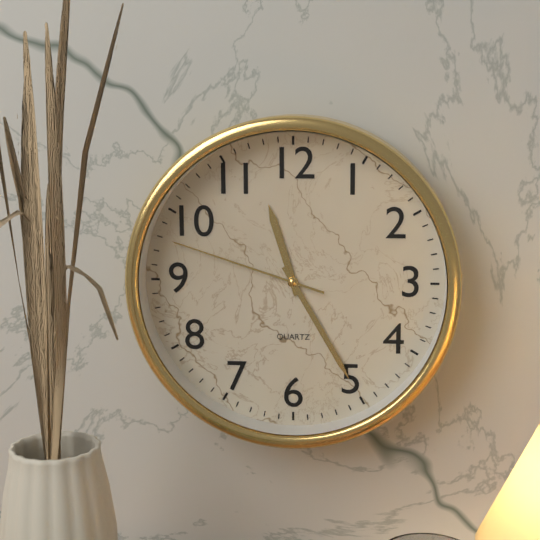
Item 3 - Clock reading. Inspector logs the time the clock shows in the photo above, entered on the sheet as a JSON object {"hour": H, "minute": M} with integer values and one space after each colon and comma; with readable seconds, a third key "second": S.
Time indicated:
{"hour": 11, "minute": 25, "second": 48}
